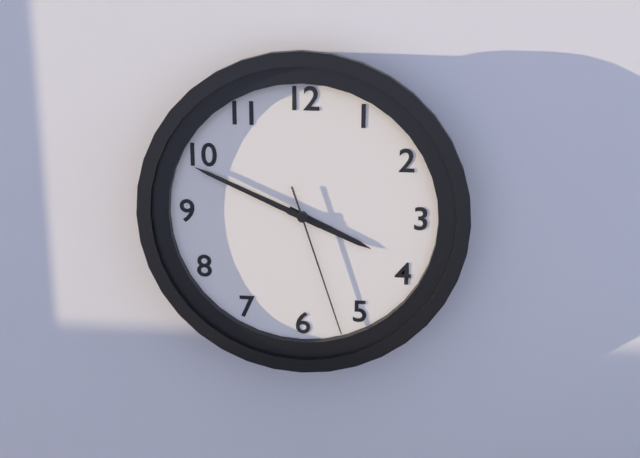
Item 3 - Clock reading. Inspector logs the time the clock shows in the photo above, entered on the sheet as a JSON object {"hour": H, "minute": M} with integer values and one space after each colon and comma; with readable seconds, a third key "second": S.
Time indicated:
{"hour": 3, "minute": 49, "second": 27}
